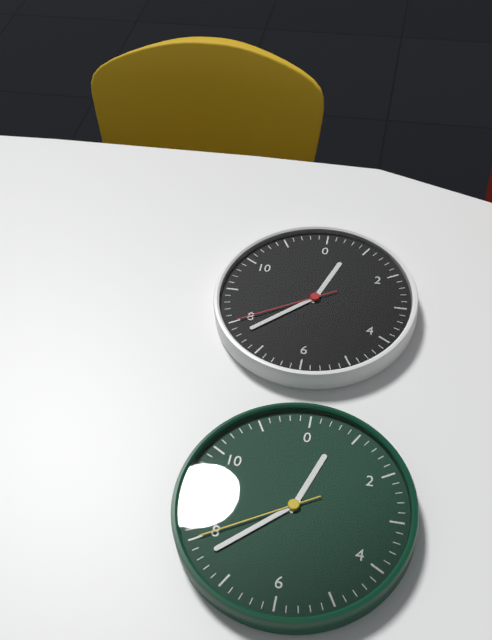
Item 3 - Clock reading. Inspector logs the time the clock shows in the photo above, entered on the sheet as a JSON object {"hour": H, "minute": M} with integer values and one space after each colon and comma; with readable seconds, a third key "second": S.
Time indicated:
{"hour": 12, "minute": 38, "second": 40}
